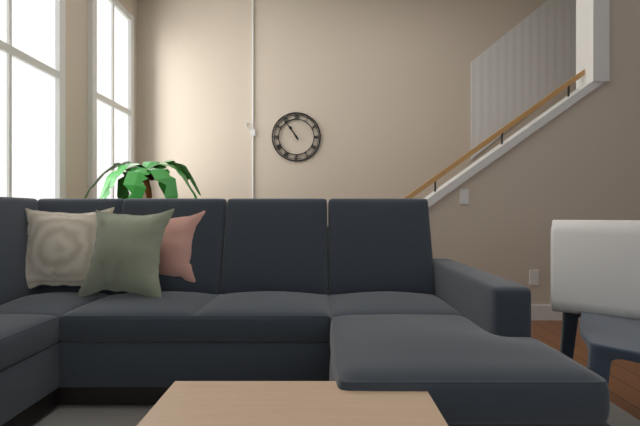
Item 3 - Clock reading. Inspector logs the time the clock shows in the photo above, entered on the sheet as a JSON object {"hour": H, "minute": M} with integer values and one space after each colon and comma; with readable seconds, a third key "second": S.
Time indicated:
{"hour": 10, "minute": 54}
